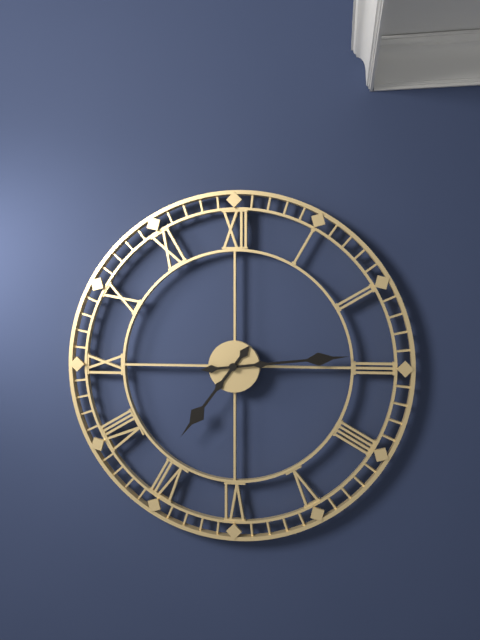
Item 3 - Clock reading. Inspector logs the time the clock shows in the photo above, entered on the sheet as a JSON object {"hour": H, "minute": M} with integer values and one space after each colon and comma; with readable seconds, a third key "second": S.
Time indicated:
{"hour": 7, "minute": 14}
